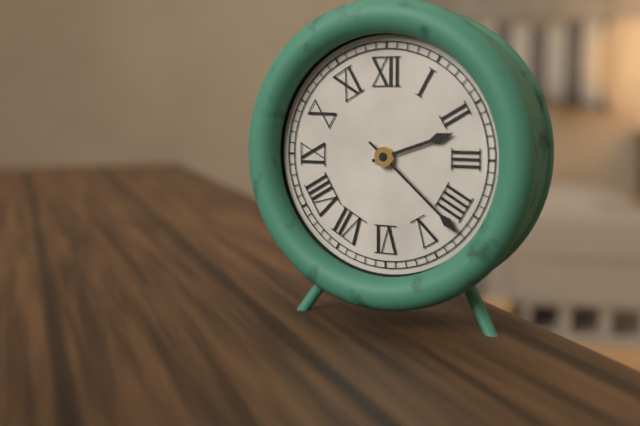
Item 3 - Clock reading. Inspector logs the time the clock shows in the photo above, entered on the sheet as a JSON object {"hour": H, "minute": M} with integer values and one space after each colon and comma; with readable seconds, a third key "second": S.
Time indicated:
{"hour": 2, "minute": 22}
